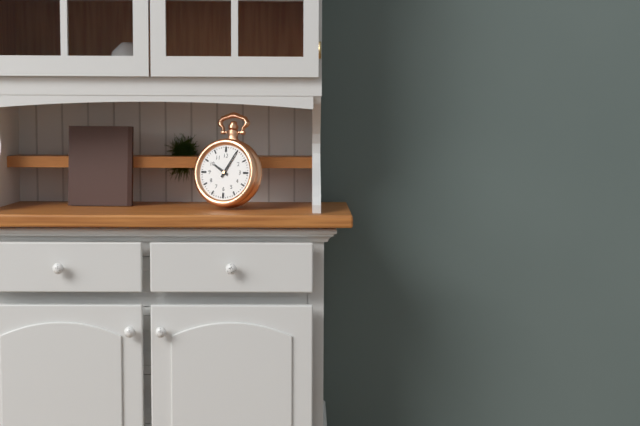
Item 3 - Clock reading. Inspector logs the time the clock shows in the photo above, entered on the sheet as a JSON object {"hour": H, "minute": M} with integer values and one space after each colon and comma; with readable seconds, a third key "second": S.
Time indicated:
{"hour": 10, "minute": 5}
